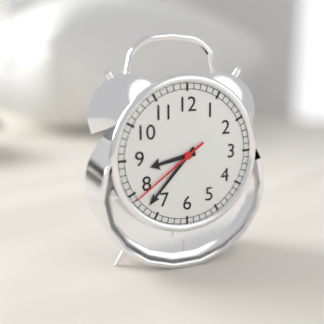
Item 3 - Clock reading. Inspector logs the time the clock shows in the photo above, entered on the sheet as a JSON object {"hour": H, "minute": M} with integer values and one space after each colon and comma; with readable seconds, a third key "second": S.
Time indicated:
{"hour": 8, "minute": 37, "second": 39}
